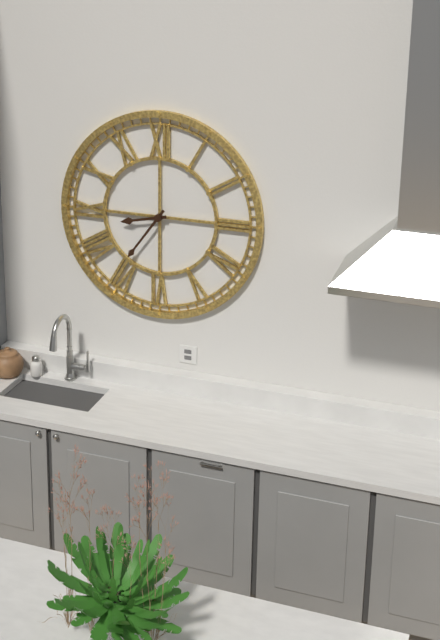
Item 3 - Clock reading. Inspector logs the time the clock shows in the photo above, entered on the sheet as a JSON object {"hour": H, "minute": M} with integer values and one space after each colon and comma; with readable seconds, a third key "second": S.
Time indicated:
{"hour": 8, "minute": 36}
